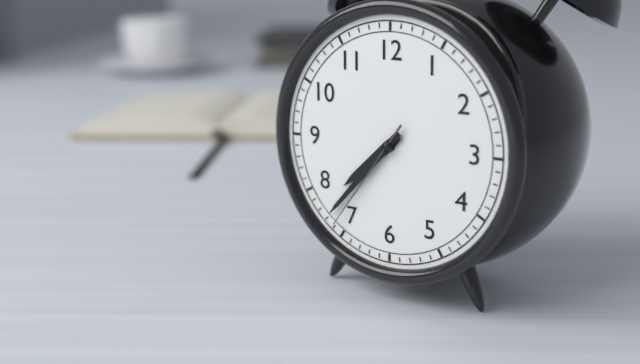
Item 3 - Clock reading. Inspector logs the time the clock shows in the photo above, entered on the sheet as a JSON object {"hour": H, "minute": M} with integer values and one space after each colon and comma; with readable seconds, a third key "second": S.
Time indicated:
{"hour": 7, "minute": 37, "second": 36}
